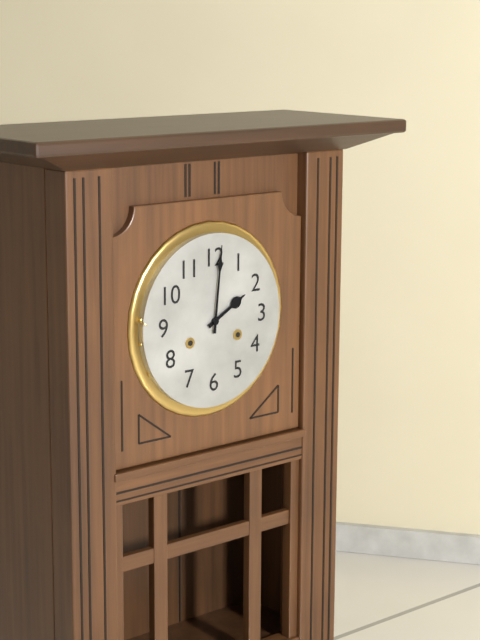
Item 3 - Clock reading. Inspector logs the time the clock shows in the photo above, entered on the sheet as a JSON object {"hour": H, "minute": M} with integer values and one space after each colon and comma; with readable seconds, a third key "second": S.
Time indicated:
{"hour": 2, "minute": 1}
